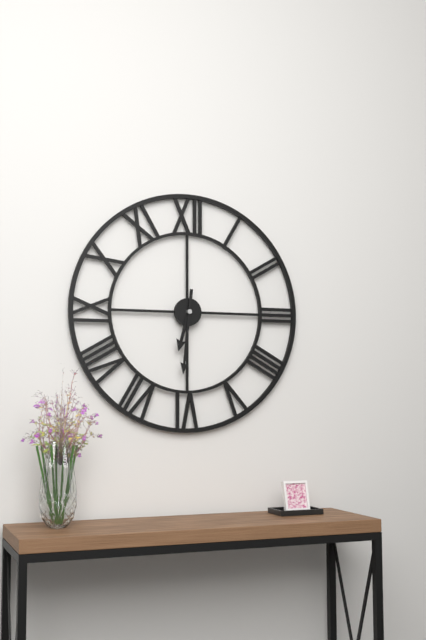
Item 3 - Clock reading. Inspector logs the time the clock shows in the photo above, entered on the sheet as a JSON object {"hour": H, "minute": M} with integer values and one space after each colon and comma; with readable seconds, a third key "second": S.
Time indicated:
{"hour": 6, "minute": 31}
